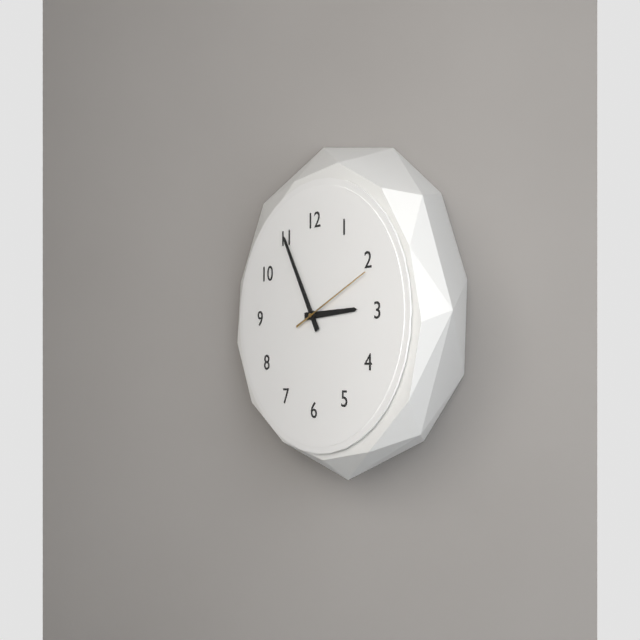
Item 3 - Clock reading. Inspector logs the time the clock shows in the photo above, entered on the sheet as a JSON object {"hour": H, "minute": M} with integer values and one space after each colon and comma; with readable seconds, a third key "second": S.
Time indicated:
{"hour": 2, "minute": 55, "second": 11}
